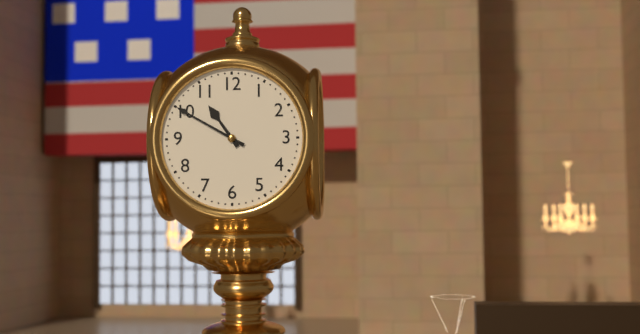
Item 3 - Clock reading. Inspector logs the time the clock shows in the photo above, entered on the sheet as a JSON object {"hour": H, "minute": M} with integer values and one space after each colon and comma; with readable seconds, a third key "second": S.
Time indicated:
{"hour": 10, "minute": 50}
